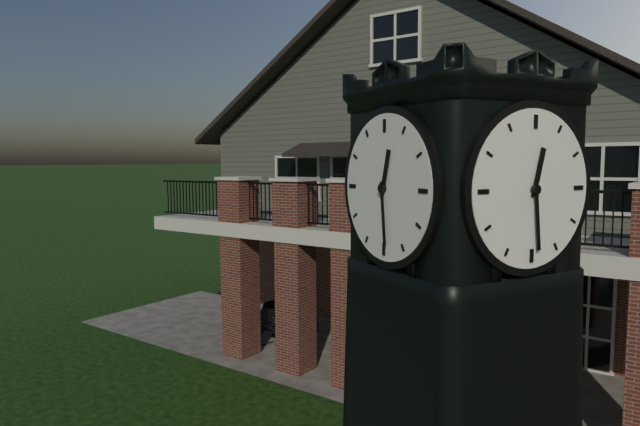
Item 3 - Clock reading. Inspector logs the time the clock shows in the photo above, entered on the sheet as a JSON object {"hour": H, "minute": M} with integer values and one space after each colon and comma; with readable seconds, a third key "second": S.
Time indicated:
{"hour": 12, "minute": 29}
